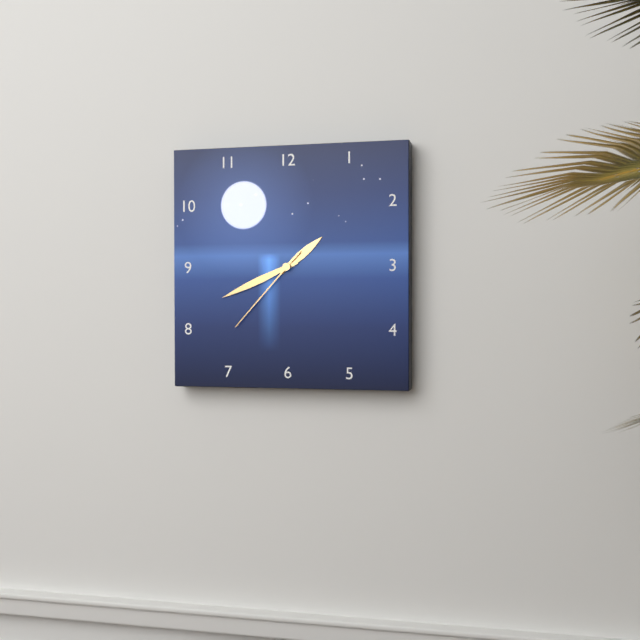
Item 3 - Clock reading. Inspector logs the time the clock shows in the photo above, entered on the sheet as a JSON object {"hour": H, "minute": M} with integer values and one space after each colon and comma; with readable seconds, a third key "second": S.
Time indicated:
{"hour": 1, "minute": 41, "second": 37}
